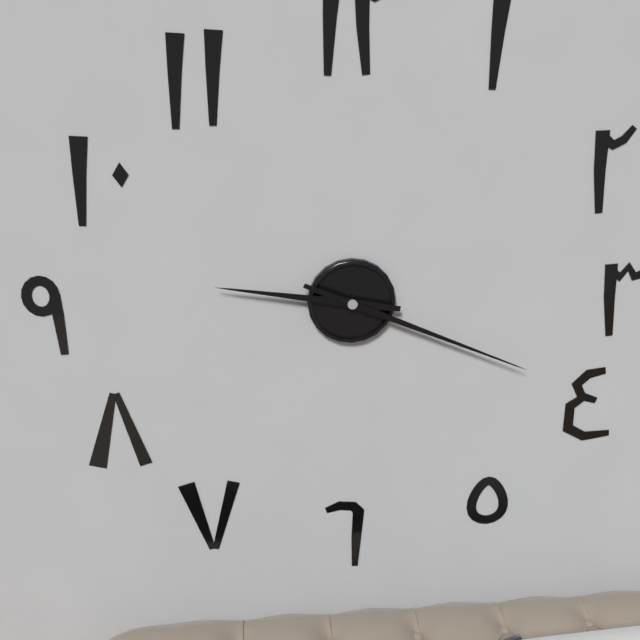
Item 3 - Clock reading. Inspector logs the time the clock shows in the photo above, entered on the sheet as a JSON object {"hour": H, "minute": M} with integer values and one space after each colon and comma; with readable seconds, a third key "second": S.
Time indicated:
{"hour": 9, "minute": 19}
